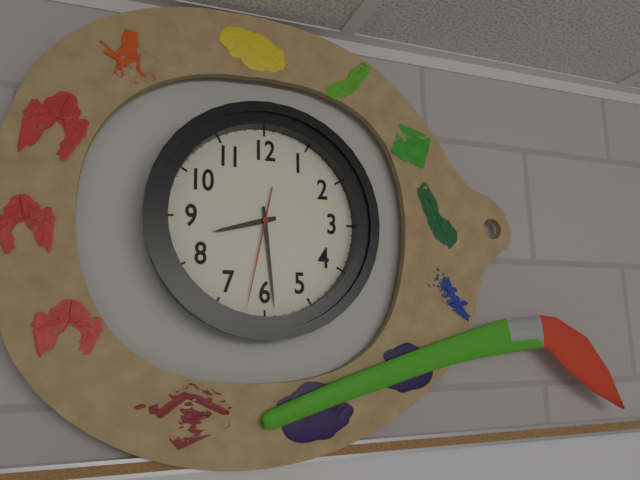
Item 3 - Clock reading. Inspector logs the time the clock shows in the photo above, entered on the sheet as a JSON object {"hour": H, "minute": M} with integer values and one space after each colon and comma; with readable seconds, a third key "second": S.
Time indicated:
{"hour": 8, "minute": 29, "second": 32}
